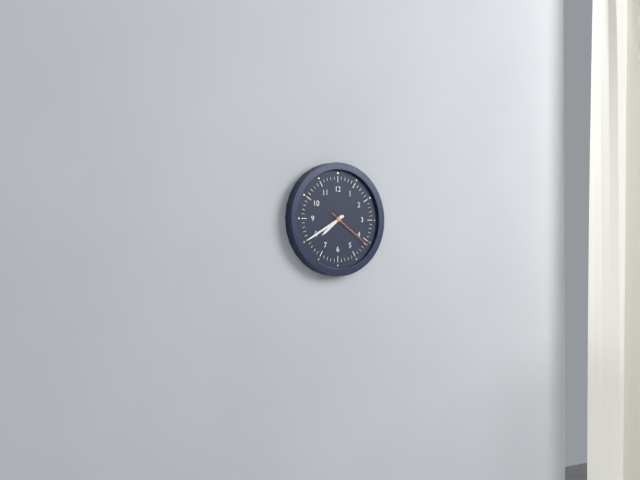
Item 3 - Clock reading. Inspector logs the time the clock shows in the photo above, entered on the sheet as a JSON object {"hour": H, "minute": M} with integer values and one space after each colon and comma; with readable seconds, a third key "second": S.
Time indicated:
{"hour": 7, "minute": 40}
